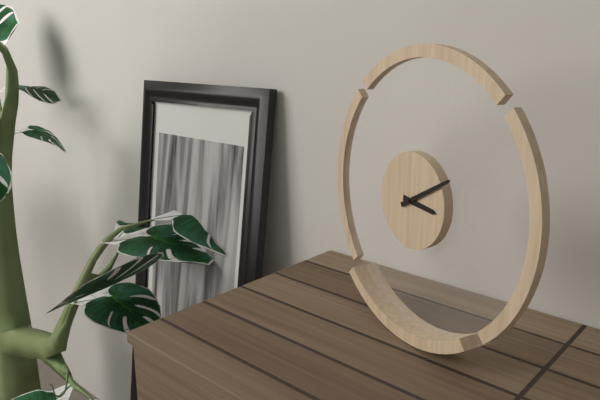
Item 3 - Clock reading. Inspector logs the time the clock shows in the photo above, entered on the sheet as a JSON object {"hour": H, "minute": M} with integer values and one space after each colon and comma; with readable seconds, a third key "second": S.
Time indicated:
{"hour": 3, "minute": 10}
